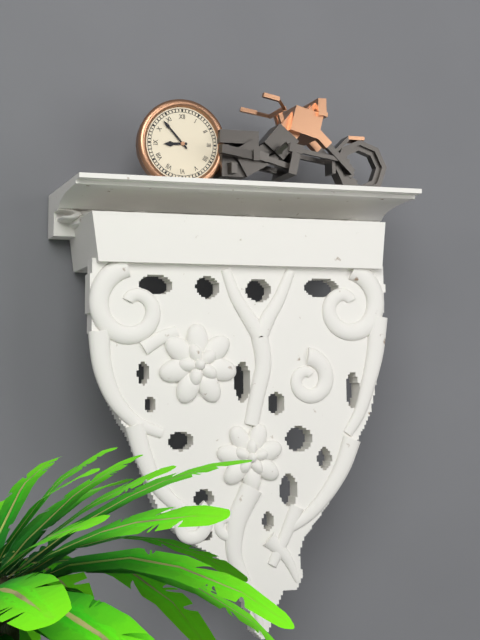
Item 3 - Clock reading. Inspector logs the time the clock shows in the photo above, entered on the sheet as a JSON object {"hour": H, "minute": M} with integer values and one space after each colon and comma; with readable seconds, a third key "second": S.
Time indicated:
{"hour": 8, "minute": 53}
